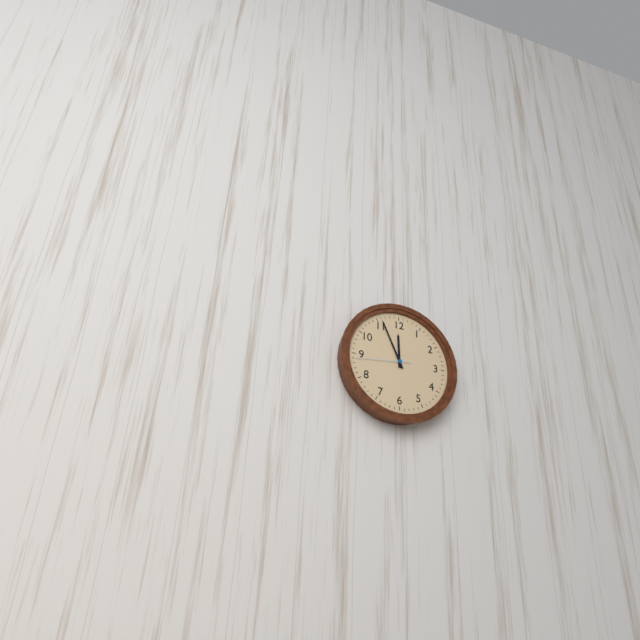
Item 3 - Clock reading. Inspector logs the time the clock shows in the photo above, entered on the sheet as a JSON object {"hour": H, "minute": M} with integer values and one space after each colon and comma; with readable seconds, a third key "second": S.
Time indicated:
{"hour": 11, "minute": 56, "second": 44}
